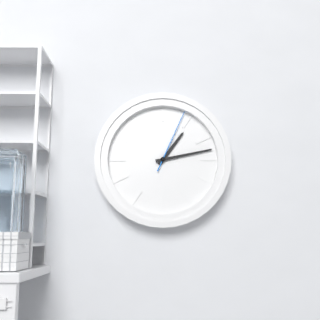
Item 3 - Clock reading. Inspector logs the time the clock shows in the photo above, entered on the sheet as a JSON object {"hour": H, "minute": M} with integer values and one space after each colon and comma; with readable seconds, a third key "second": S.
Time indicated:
{"hour": 1, "minute": 13, "second": 4}
